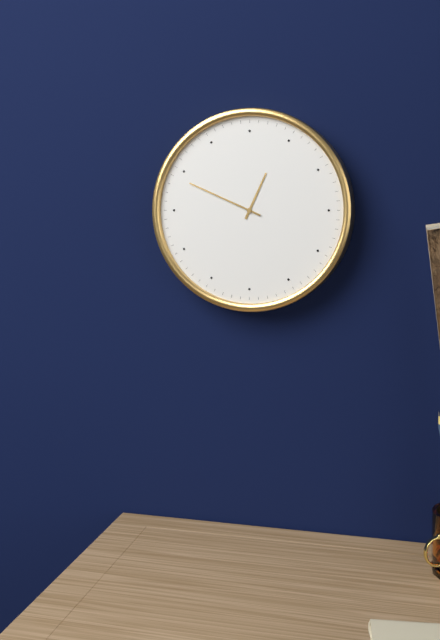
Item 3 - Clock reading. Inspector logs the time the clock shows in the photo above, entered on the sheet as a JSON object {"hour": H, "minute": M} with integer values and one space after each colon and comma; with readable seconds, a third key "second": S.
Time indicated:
{"hour": 12, "minute": 49}
